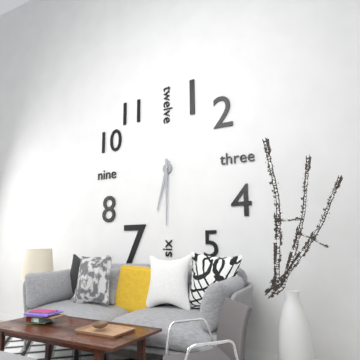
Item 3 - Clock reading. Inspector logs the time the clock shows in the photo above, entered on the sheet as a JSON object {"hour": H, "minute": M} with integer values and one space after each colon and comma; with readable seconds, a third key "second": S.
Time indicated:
{"hour": 6, "minute": 30}
